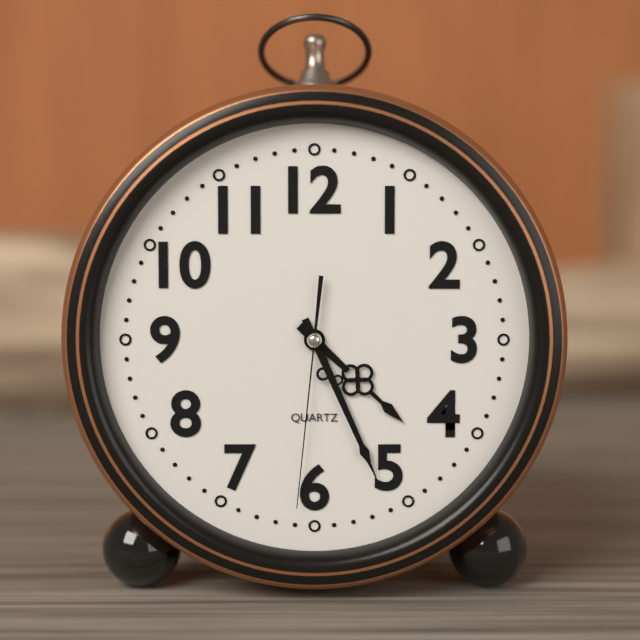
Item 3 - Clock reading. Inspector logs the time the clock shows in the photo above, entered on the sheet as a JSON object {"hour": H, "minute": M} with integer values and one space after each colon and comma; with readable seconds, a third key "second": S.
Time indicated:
{"hour": 4, "minute": 26, "second": 31}
